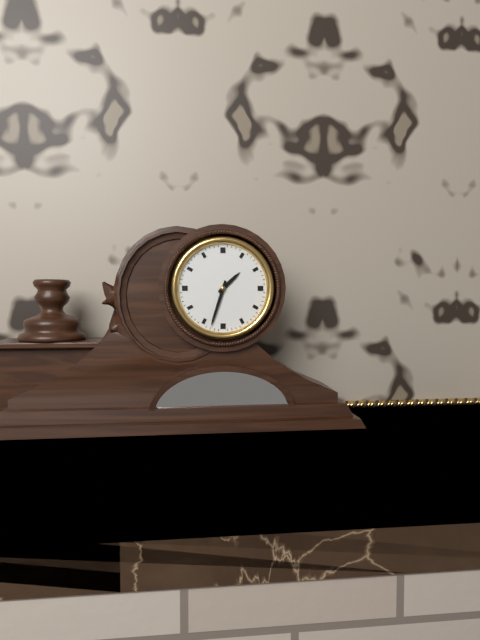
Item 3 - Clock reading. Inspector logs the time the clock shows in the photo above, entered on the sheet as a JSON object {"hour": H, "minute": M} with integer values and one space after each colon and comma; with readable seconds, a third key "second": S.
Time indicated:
{"hour": 1, "minute": 33}
